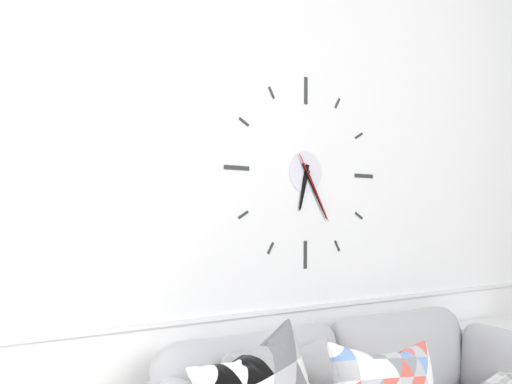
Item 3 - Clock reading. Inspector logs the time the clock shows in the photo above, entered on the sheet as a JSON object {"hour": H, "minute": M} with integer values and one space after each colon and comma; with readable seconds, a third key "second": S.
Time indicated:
{"hour": 6, "minute": 25, "second": 25}
